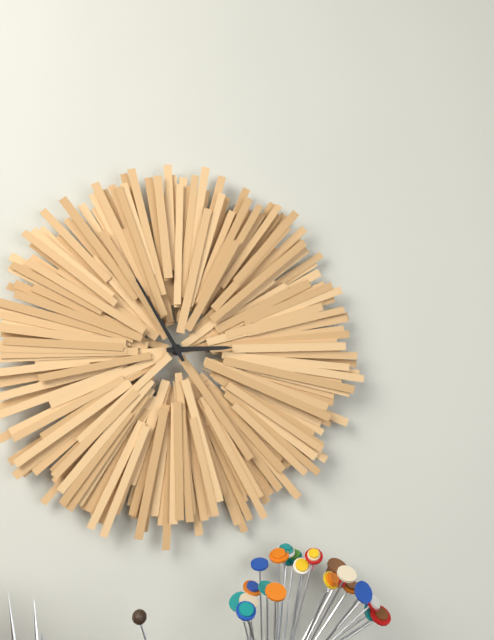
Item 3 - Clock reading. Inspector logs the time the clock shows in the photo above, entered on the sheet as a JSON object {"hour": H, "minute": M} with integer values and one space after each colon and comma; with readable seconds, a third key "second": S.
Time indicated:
{"hour": 2, "minute": 55}
